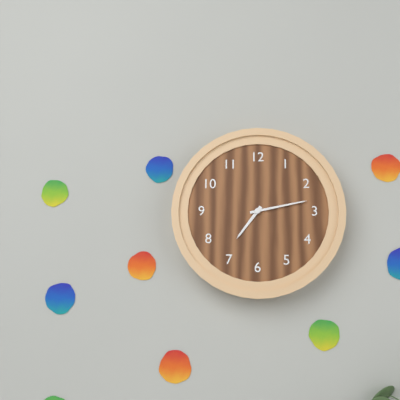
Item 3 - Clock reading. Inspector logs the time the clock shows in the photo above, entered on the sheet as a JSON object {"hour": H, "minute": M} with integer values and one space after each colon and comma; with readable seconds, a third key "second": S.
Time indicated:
{"hour": 7, "minute": 13}
